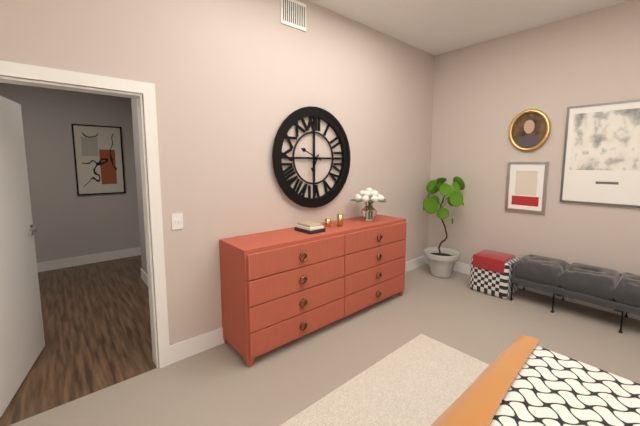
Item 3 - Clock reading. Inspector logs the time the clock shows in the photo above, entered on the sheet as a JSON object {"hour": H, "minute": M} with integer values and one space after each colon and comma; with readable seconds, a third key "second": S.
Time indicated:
{"hour": 6, "minute": 49}
